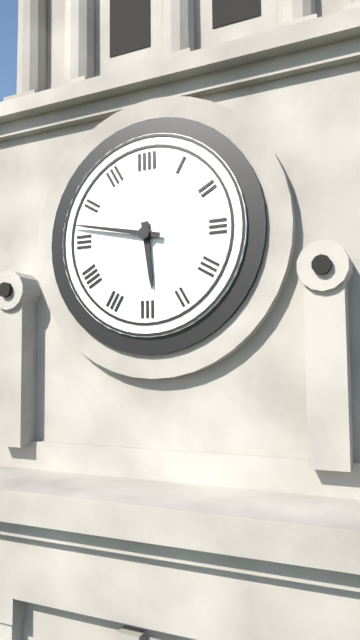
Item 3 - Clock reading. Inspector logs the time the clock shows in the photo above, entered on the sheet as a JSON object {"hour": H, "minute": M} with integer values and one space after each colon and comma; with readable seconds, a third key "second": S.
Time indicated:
{"hour": 5, "minute": 47}
